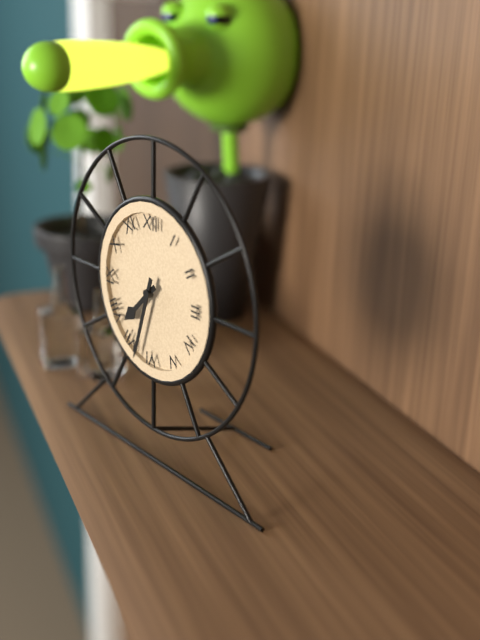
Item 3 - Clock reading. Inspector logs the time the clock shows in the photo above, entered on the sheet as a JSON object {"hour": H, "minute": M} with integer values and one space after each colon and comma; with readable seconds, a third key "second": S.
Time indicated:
{"hour": 7, "minute": 33}
